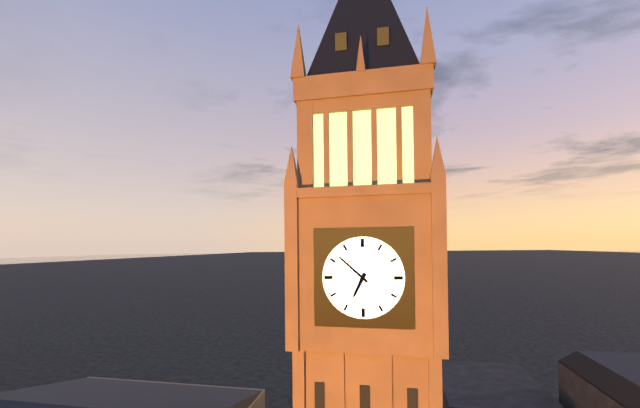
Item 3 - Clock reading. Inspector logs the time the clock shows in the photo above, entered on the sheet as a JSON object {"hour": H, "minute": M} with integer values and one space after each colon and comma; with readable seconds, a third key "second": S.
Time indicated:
{"hour": 6, "minute": 52}
